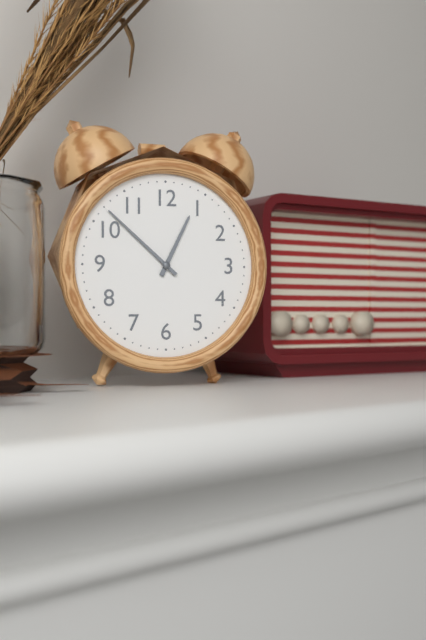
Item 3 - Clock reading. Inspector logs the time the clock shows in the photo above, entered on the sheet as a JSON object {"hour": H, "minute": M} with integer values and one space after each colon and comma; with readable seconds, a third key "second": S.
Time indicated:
{"hour": 12, "minute": 52}
